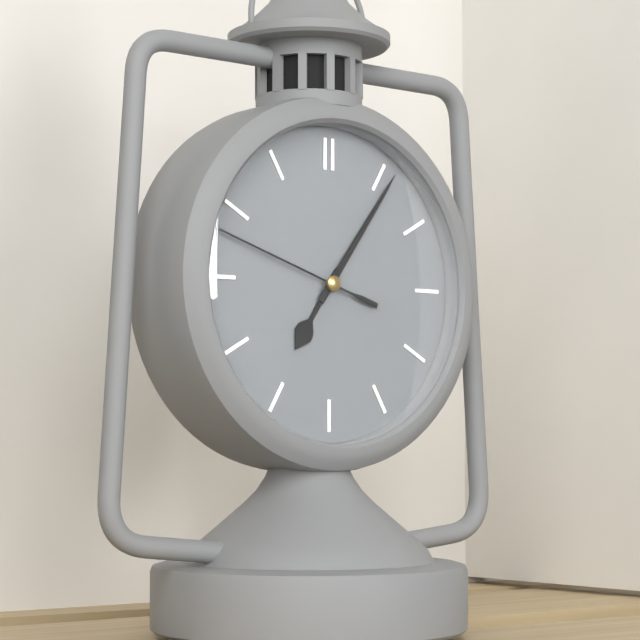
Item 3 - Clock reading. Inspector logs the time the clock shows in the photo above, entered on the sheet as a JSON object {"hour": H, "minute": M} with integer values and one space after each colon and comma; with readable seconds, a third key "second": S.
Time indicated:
{"hour": 7, "minute": 6, "second": 48}
